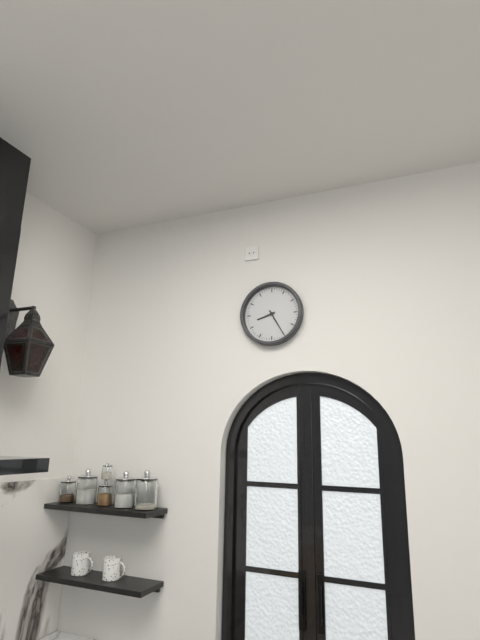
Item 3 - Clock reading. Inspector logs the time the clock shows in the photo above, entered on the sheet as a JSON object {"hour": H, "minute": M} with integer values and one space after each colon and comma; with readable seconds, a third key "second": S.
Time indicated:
{"hour": 8, "minute": 25}
